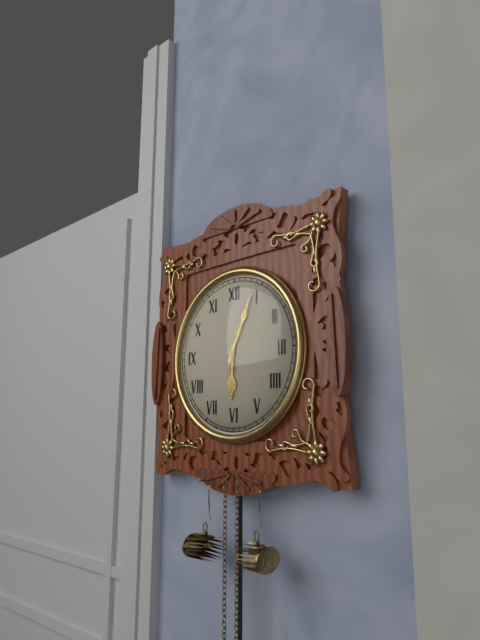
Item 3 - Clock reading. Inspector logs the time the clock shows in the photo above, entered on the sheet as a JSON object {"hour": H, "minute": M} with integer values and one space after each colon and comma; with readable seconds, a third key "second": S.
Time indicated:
{"hour": 6, "minute": 4}
